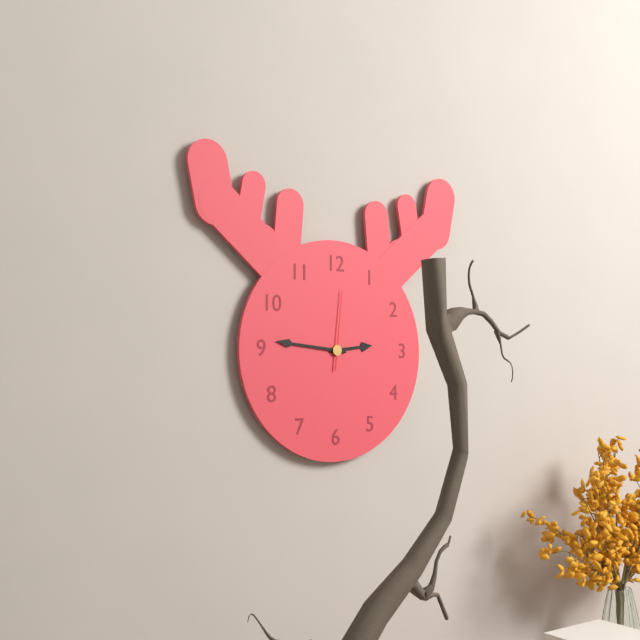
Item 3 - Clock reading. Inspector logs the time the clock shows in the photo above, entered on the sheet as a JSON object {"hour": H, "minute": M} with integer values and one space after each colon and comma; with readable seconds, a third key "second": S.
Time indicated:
{"hour": 2, "minute": 46, "second": 1}
